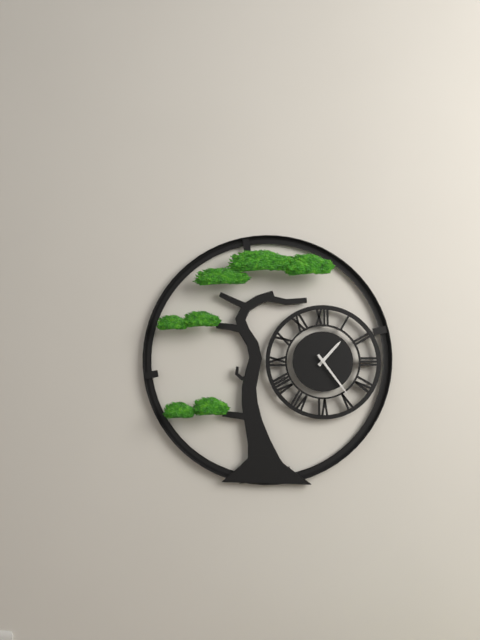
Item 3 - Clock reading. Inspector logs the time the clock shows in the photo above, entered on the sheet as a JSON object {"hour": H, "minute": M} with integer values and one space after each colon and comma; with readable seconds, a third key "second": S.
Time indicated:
{"hour": 1, "minute": 24}
